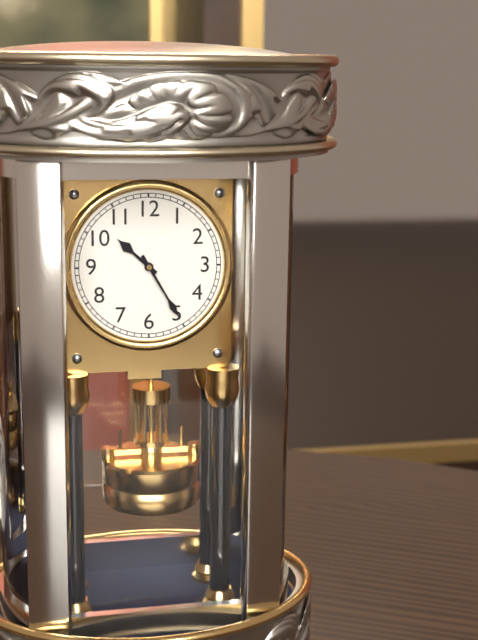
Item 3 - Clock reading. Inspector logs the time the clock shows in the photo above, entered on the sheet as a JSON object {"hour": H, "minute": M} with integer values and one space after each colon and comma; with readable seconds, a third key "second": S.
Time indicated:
{"hour": 10, "minute": 25}
